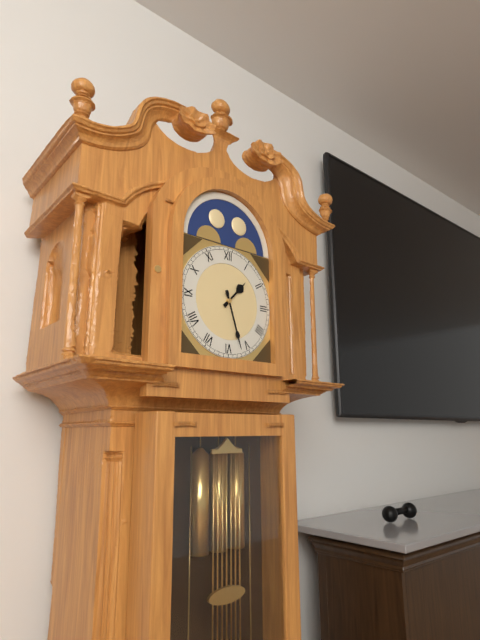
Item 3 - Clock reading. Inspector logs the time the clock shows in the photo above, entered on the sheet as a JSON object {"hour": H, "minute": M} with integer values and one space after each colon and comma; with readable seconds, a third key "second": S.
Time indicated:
{"hour": 1, "minute": 27}
